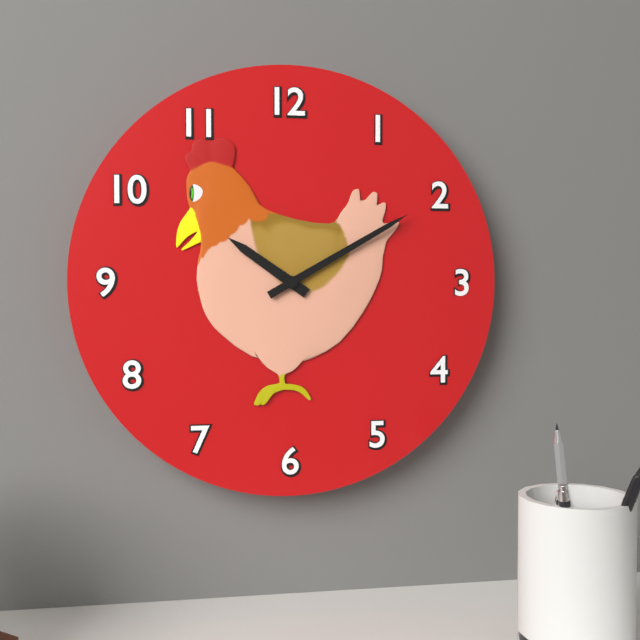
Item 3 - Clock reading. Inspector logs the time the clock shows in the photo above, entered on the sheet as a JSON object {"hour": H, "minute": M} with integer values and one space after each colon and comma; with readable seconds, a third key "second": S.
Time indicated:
{"hour": 10, "minute": 10}
